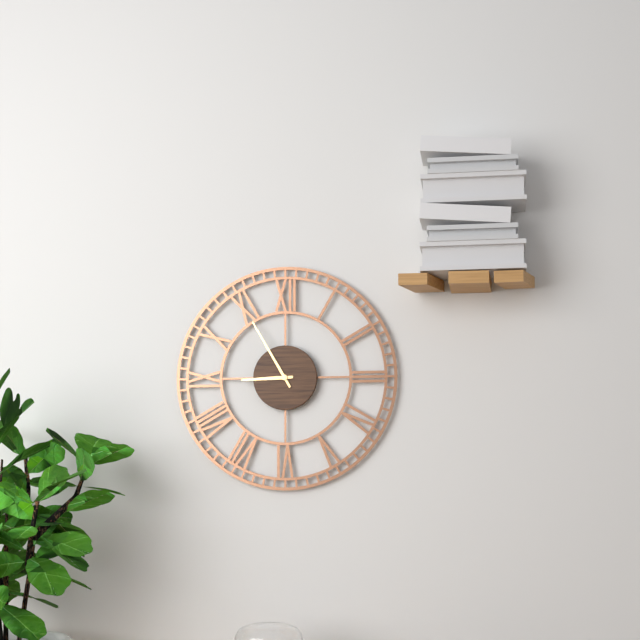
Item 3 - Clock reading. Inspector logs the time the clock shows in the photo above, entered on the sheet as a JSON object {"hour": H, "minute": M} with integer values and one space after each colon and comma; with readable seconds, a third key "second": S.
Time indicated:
{"hour": 8, "minute": 55}
